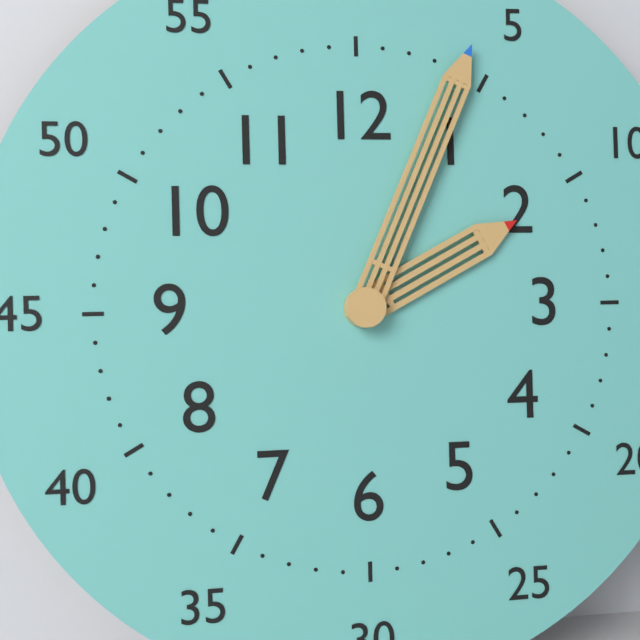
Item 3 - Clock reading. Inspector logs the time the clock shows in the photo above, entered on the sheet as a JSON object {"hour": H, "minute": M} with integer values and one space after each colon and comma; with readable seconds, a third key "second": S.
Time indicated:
{"hour": 2, "minute": 4}
